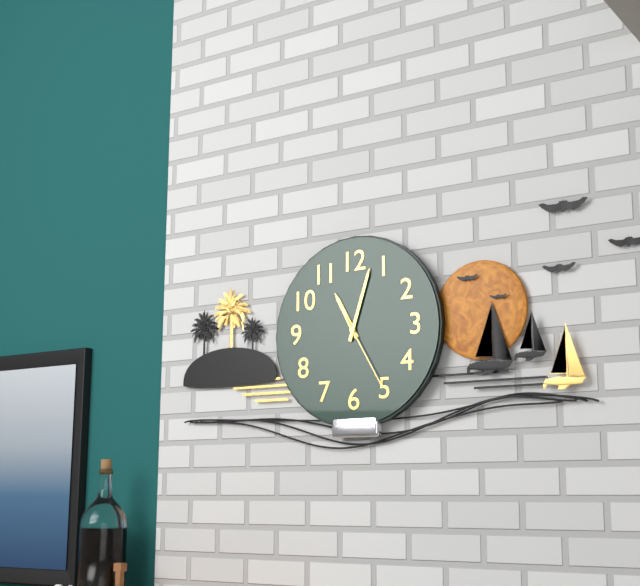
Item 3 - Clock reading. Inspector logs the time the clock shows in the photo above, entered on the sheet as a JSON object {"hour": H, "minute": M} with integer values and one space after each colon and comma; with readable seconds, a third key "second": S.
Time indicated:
{"hour": 11, "minute": 3, "second": 25}
